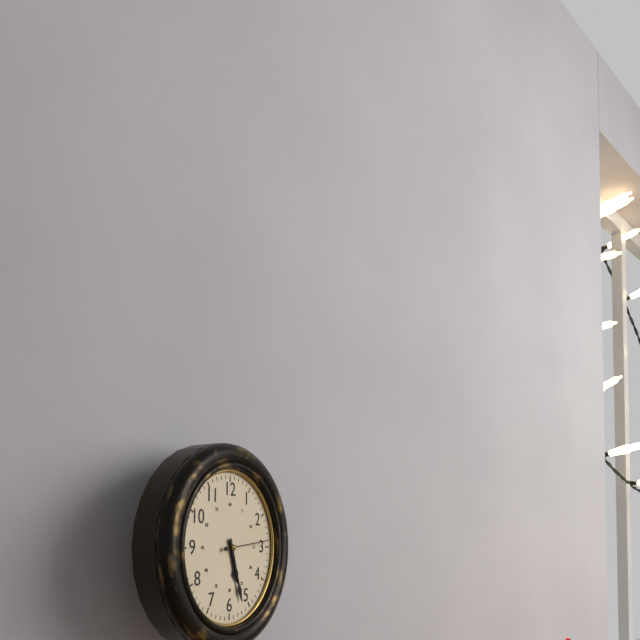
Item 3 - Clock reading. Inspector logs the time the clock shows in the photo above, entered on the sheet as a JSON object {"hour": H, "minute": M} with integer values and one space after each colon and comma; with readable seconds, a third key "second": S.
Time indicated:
{"hour": 5, "minute": 27}
